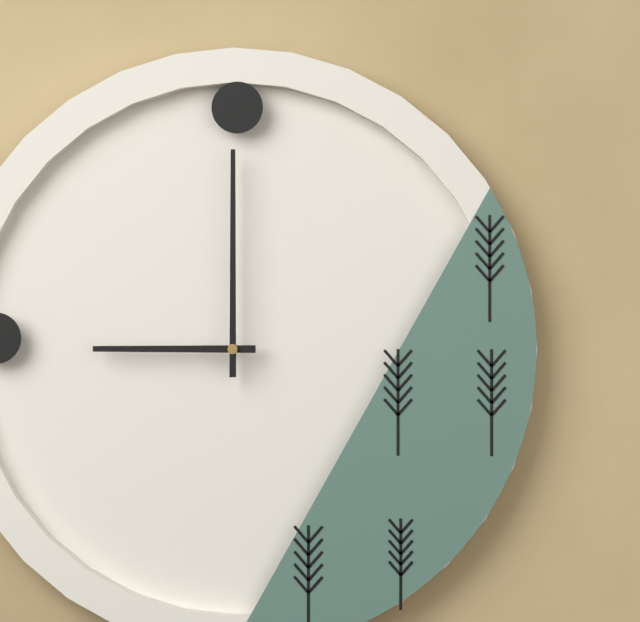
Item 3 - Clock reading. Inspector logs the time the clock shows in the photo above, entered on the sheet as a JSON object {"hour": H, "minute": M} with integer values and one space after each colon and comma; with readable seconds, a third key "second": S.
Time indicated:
{"hour": 9, "minute": 0}
